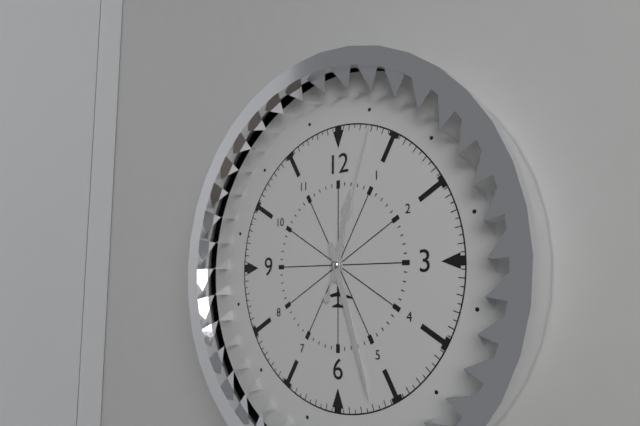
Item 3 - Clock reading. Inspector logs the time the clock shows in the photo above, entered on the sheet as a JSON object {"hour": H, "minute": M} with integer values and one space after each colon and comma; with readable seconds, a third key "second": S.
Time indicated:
{"hour": 12, "minute": 27, "second": 3}
